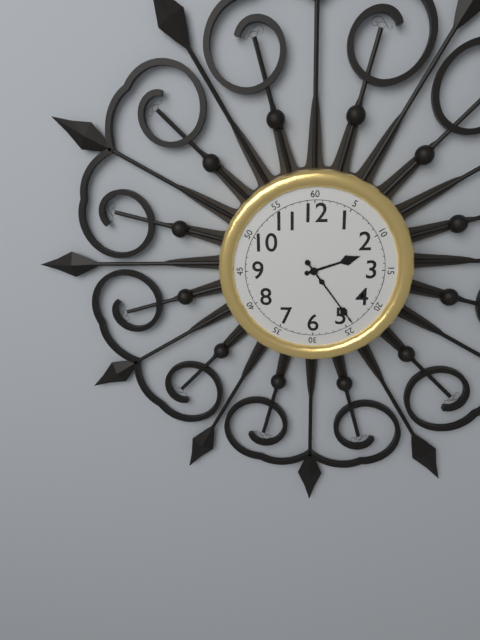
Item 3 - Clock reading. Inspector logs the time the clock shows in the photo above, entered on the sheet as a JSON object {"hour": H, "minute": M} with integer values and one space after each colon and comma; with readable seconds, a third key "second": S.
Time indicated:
{"hour": 2, "minute": 24}
